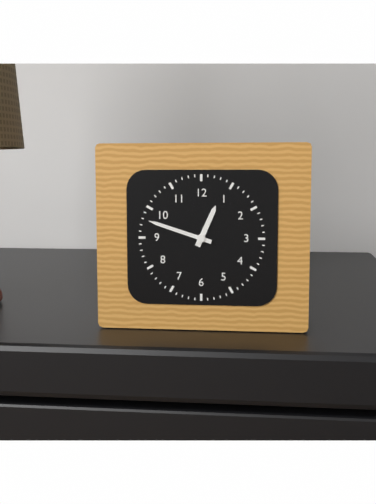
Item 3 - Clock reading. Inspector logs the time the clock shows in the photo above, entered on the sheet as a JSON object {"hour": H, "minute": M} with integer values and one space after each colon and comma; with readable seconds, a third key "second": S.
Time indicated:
{"hour": 12, "minute": 48}
